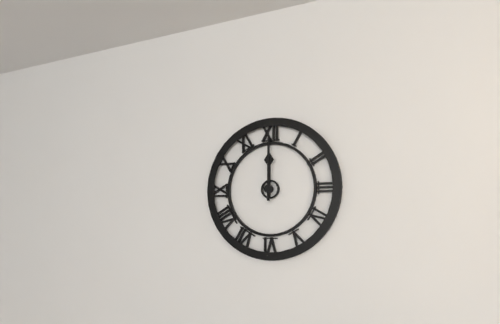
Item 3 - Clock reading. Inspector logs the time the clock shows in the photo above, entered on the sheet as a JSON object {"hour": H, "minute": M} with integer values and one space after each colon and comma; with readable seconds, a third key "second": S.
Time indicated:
{"hour": 12, "minute": 0}
